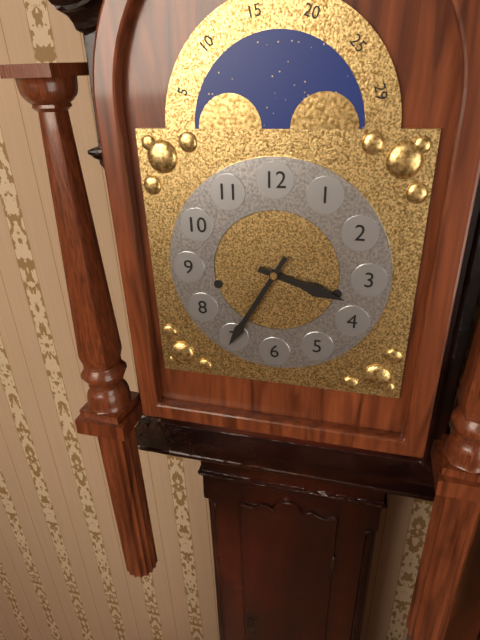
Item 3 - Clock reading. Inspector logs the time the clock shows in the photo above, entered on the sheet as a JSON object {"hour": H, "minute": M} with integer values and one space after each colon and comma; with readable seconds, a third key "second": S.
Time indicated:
{"hour": 3, "minute": 35}
